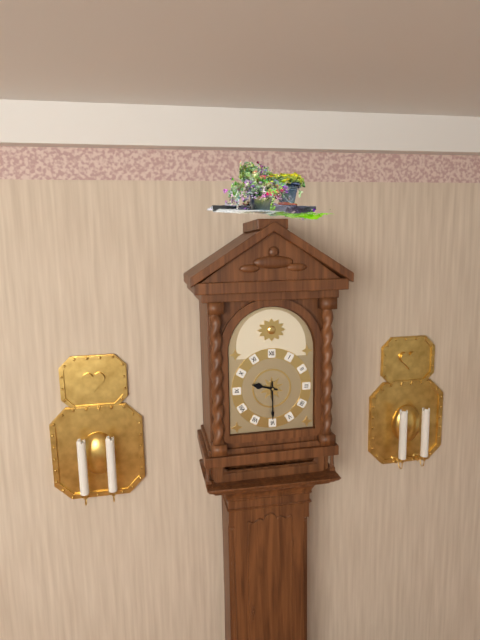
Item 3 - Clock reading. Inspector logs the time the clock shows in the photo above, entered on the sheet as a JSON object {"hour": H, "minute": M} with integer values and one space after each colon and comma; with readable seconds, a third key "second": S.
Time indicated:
{"hour": 9, "minute": 30}
